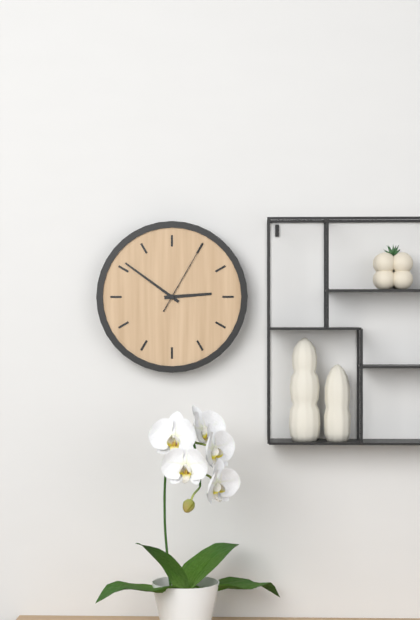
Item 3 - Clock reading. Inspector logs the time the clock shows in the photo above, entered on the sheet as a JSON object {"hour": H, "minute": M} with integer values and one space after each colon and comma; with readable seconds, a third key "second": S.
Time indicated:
{"hour": 2, "minute": 51, "second": 5}
